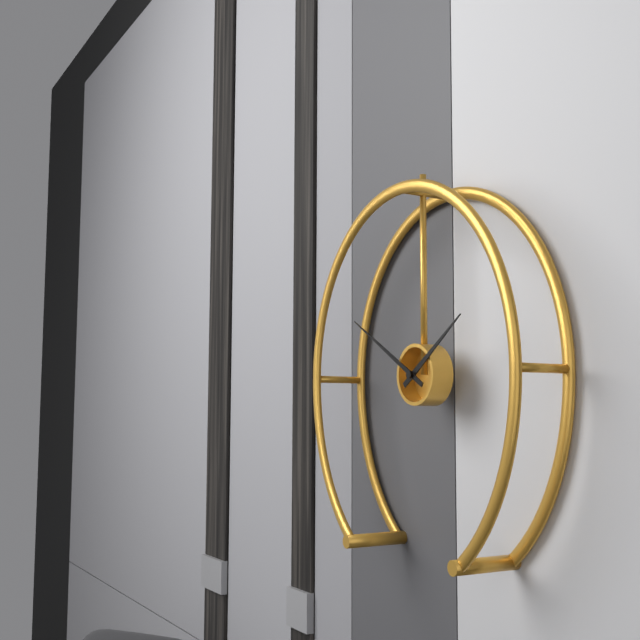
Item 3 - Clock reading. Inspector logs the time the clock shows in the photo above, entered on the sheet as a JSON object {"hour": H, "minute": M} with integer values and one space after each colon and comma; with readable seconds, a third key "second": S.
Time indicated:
{"hour": 1, "minute": 50}
